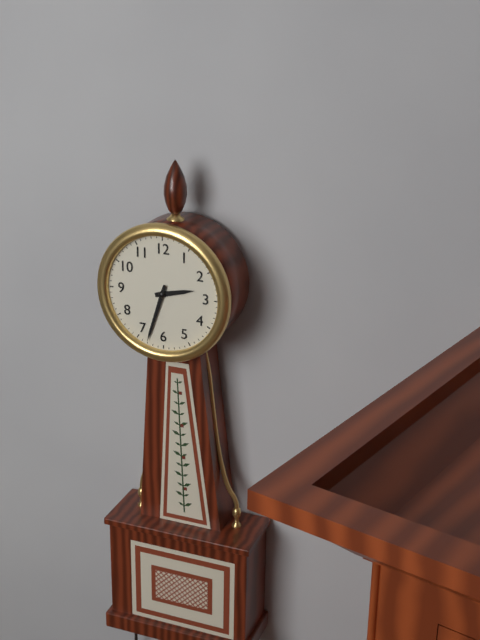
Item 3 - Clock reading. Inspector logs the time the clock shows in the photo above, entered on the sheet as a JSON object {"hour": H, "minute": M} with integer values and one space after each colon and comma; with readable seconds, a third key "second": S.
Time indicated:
{"hour": 2, "minute": 33}
